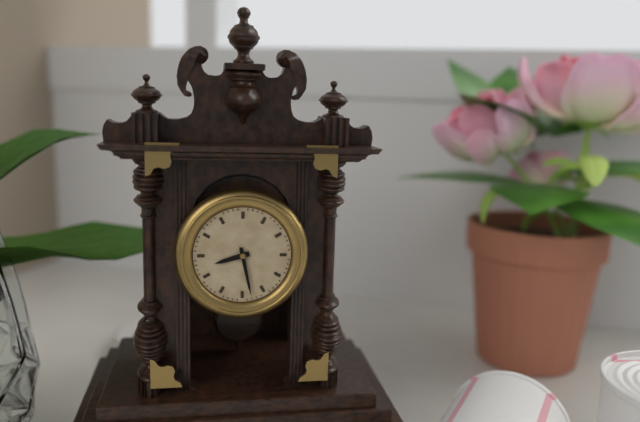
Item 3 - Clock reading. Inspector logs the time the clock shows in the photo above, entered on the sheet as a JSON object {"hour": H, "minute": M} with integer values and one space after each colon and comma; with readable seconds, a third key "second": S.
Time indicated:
{"hour": 8, "minute": 28}
